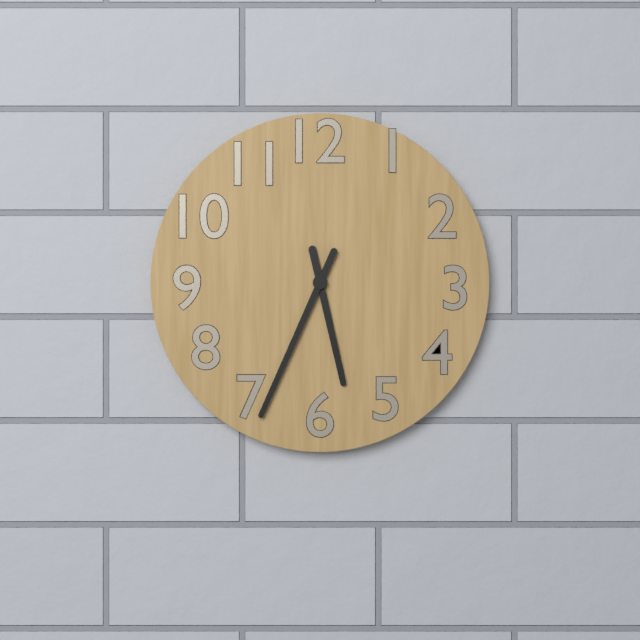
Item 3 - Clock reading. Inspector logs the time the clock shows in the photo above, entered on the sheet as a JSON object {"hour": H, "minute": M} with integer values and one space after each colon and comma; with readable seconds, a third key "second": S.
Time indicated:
{"hour": 5, "minute": 34}
